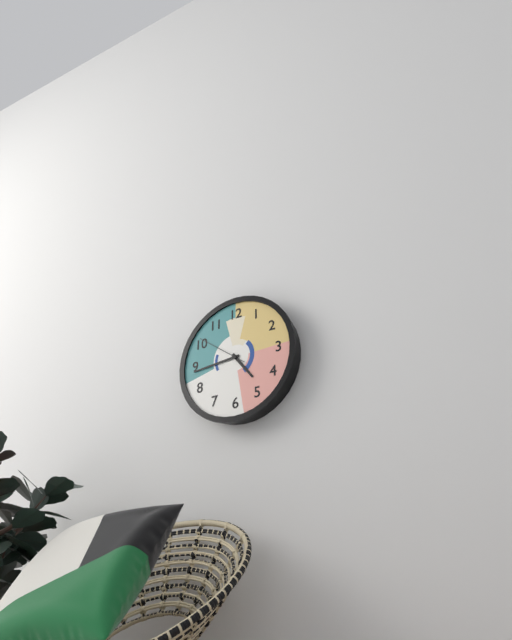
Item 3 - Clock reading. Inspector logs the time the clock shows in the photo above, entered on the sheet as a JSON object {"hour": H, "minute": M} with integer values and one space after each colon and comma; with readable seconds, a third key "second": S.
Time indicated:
{"hour": 4, "minute": 44}
